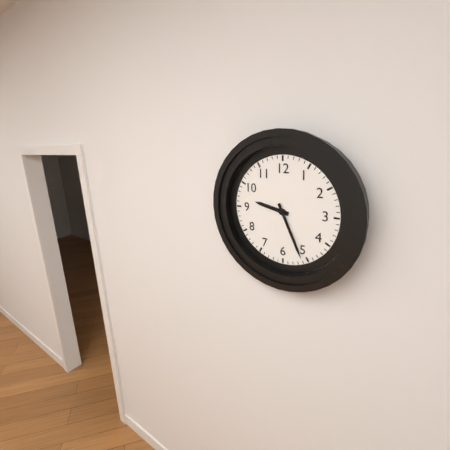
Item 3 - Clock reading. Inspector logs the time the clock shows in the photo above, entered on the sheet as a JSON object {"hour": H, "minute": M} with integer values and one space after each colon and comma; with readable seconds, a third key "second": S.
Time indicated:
{"hour": 9, "minute": 26}
